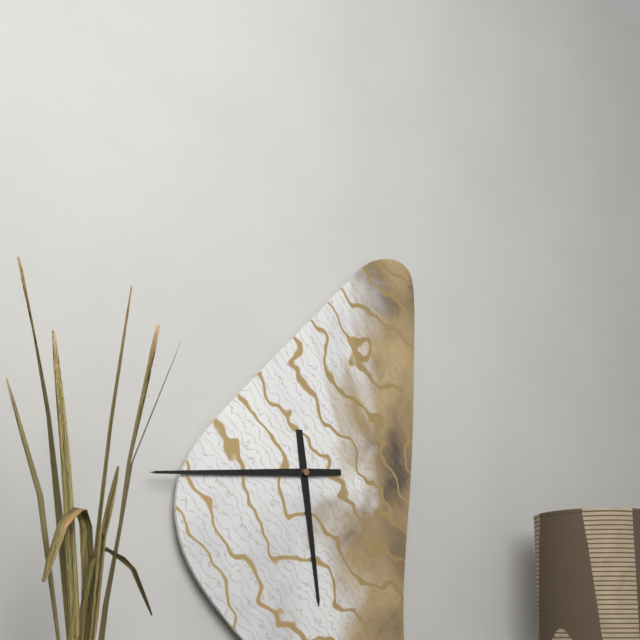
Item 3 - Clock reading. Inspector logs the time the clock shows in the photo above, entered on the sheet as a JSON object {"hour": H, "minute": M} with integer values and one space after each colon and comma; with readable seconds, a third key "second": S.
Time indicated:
{"hour": 5, "minute": 44}
